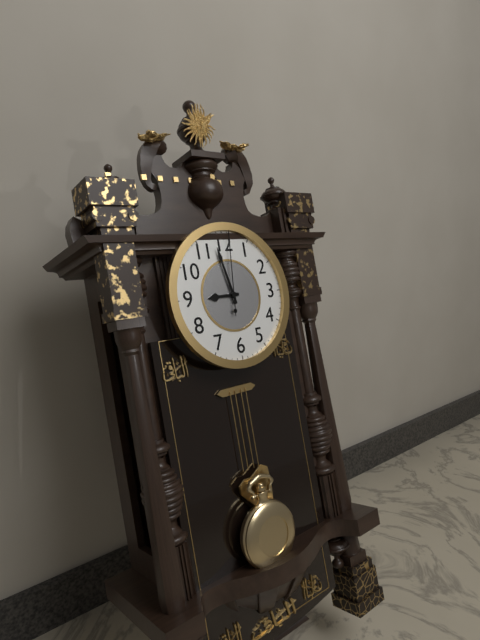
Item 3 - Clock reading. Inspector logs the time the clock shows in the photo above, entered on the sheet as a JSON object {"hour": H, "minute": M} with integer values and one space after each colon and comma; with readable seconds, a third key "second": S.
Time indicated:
{"hour": 8, "minute": 58, "second": 1}
